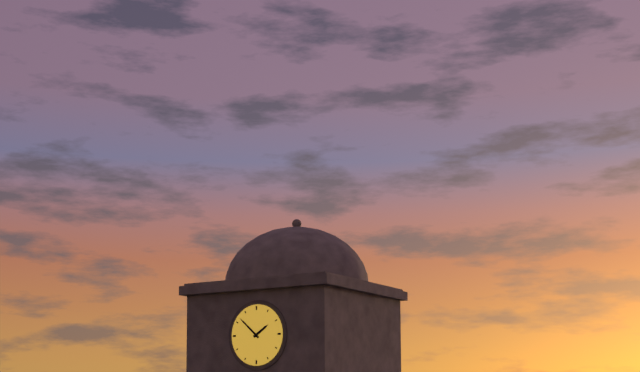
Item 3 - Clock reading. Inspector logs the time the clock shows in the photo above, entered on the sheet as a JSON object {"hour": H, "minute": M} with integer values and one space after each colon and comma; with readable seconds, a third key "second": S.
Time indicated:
{"hour": 1, "minute": 52}
